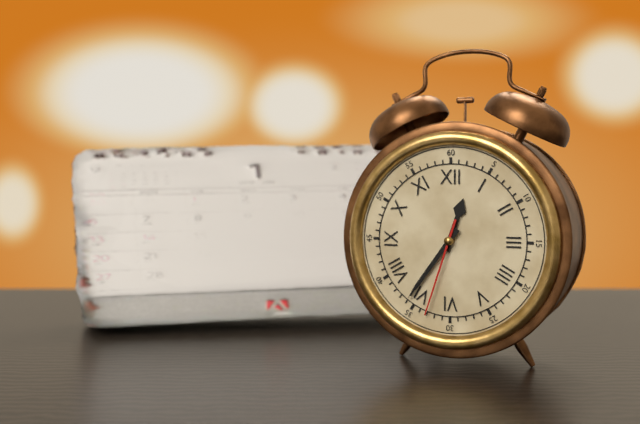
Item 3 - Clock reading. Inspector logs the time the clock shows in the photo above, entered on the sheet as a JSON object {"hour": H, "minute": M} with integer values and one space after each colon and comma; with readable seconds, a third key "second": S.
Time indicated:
{"hour": 12, "minute": 36, "second": 33}
